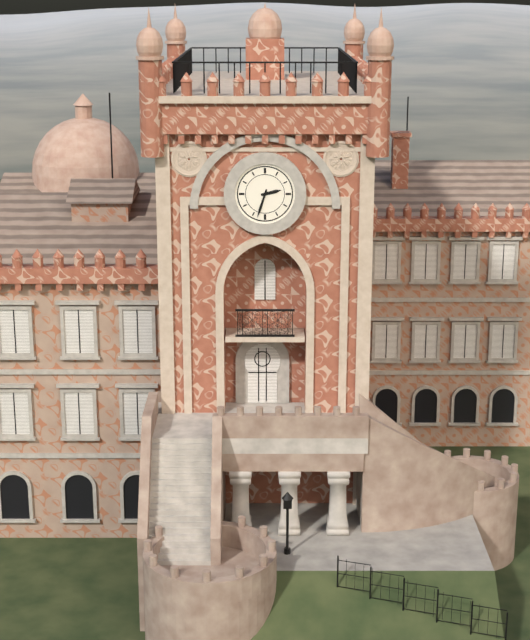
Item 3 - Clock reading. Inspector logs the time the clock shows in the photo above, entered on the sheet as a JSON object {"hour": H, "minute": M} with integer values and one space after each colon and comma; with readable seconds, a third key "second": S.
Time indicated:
{"hour": 2, "minute": 33}
